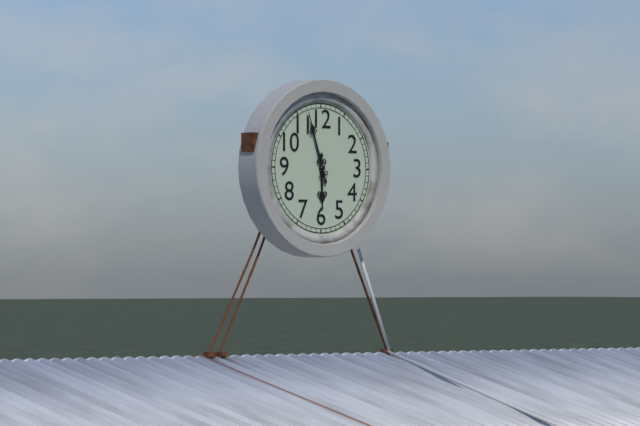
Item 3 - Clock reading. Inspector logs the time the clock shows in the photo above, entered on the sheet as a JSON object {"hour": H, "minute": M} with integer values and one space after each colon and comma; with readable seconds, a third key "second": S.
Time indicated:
{"hour": 5, "minute": 57}
